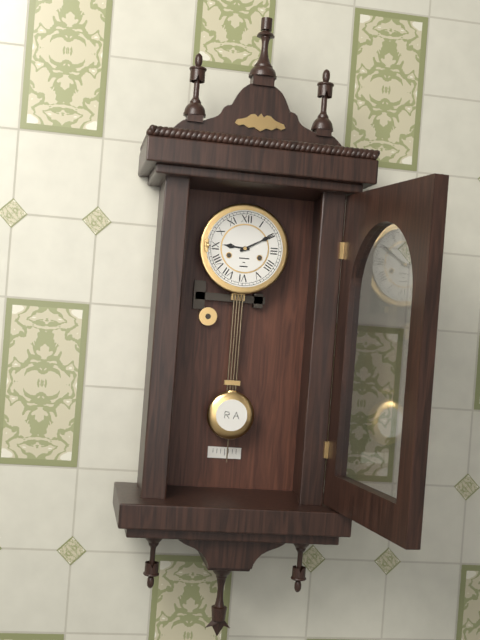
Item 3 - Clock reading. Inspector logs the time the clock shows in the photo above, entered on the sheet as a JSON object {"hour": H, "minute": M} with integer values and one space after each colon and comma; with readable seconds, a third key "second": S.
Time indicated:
{"hour": 9, "minute": 10}
